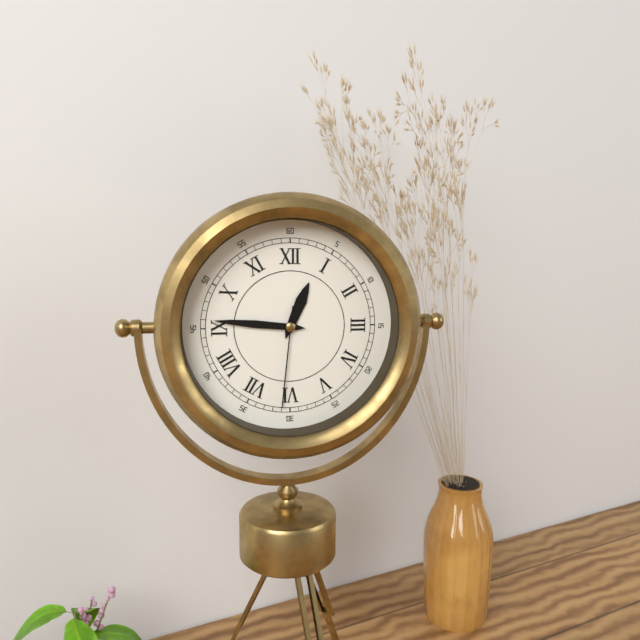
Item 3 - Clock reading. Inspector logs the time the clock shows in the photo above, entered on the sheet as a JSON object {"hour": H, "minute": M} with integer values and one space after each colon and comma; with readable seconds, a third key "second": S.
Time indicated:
{"hour": 12, "minute": 46, "second": 31}
